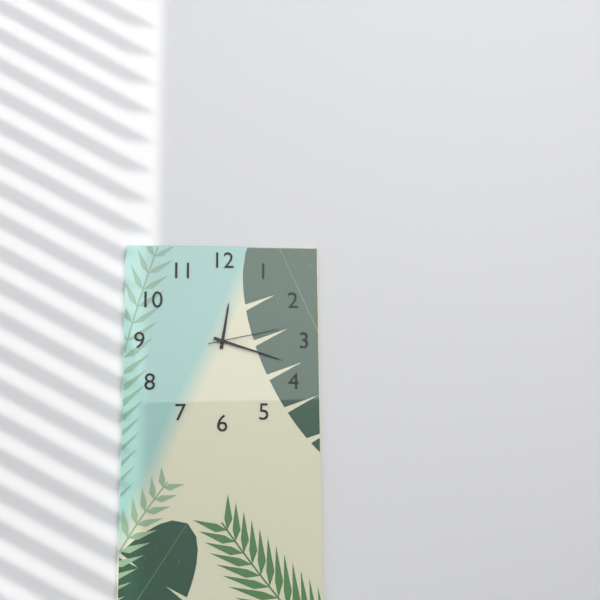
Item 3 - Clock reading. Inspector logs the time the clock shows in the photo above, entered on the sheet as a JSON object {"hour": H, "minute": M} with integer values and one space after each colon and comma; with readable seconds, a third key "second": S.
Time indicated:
{"hour": 12, "minute": 18, "second": 13}
